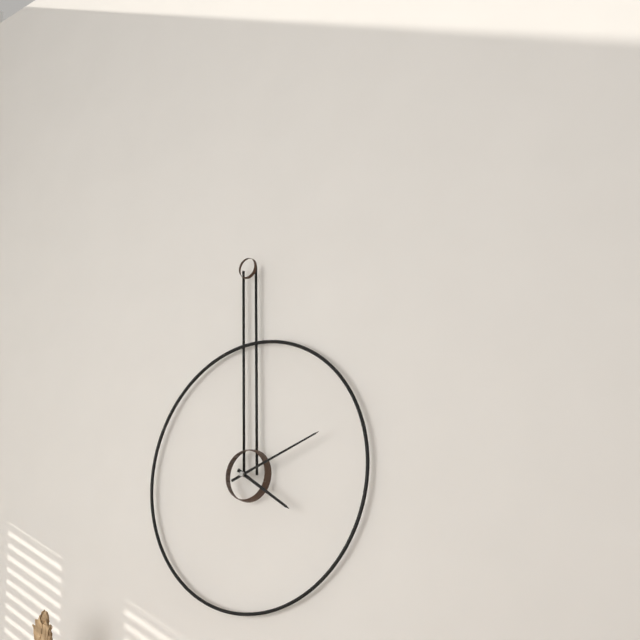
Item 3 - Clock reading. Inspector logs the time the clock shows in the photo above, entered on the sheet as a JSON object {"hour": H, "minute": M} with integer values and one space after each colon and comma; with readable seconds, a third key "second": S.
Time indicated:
{"hour": 4, "minute": 12}
